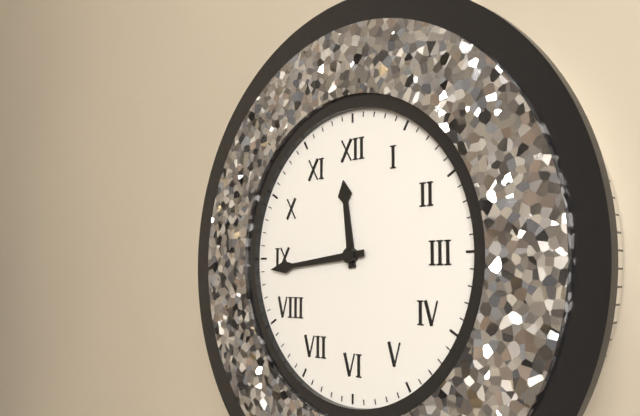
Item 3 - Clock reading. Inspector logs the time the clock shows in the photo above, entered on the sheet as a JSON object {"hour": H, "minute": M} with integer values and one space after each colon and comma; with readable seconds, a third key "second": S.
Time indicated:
{"hour": 11, "minute": 44}
